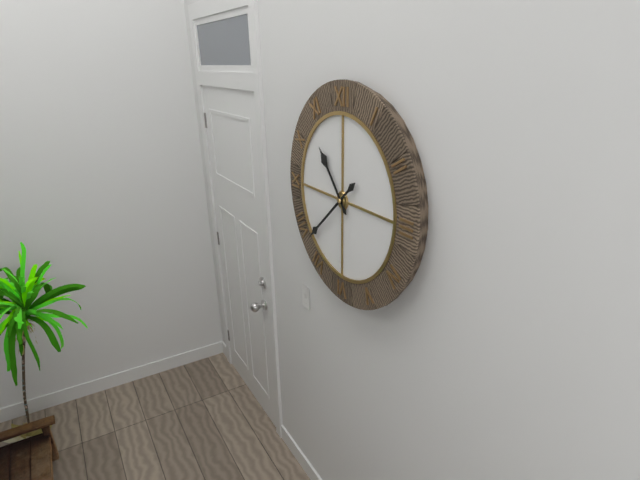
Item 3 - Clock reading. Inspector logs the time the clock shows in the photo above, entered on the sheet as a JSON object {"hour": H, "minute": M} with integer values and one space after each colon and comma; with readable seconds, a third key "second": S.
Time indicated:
{"hour": 10, "minute": 38}
